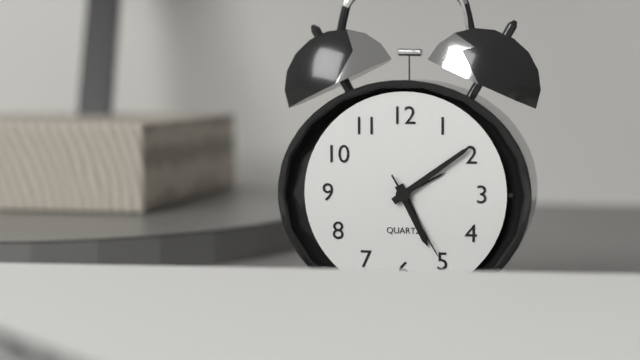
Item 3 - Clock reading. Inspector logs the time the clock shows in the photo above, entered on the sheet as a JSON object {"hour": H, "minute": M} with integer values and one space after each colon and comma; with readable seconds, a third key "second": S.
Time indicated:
{"hour": 5, "minute": 9, "second": 25}
